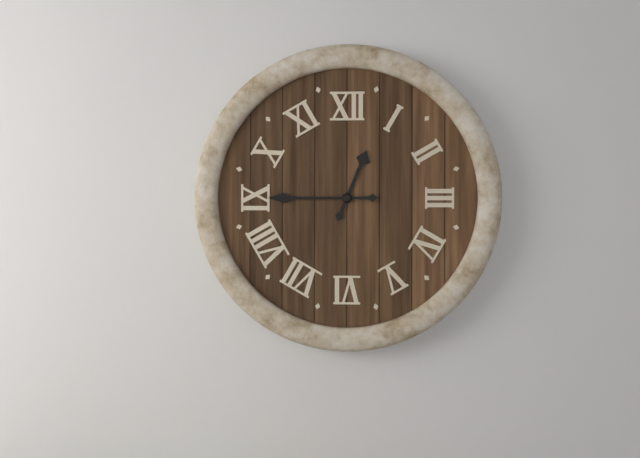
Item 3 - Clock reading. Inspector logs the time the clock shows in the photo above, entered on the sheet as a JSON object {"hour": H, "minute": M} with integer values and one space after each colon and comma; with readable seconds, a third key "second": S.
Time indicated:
{"hour": 12, "minute": 45}
